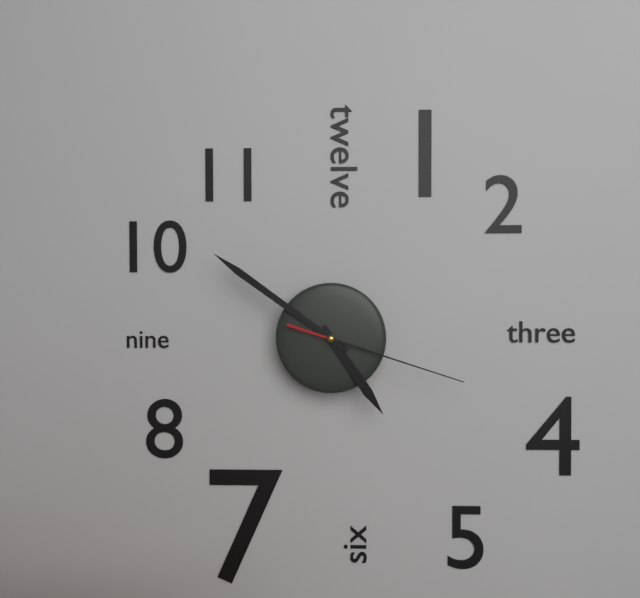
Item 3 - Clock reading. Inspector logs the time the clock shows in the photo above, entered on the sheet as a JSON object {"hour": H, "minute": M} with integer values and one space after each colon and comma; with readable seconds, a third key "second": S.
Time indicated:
{"hour": 4, "minute": 51, "second": 18}
